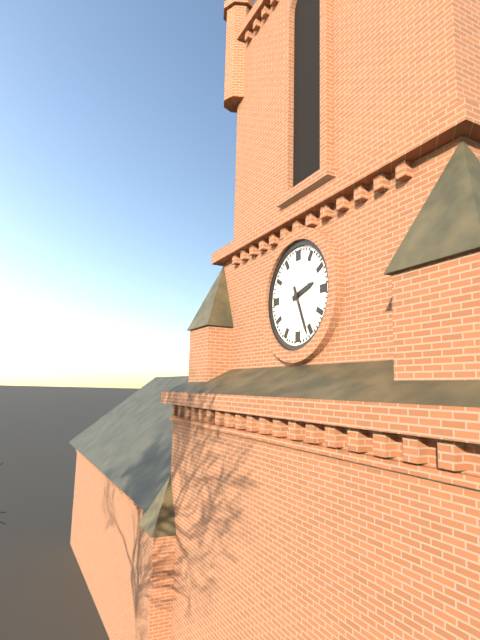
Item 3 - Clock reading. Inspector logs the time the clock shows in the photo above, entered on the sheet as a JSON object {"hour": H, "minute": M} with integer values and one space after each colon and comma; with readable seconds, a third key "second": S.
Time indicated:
{"hour": 2, "minute": 26}
